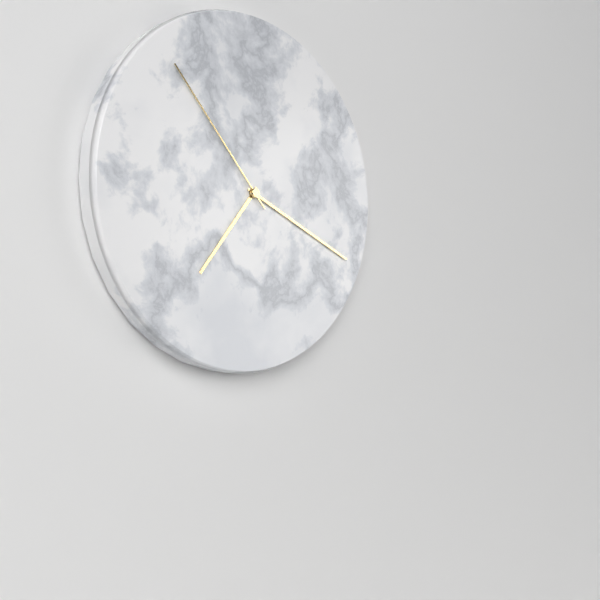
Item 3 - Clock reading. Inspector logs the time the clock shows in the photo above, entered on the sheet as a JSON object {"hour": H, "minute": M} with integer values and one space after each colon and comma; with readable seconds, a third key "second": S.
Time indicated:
{"hour": 7, "minute": 19, "second": 53}
